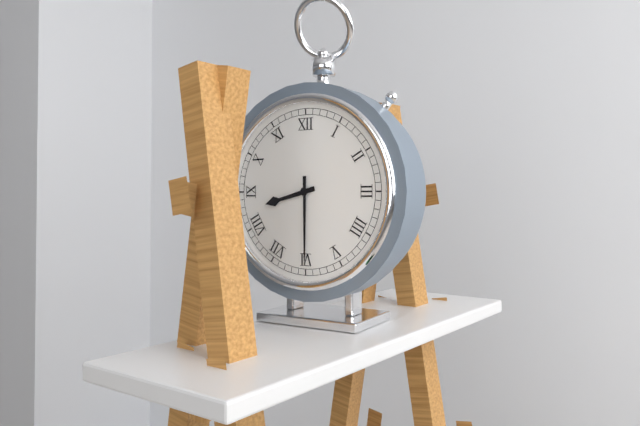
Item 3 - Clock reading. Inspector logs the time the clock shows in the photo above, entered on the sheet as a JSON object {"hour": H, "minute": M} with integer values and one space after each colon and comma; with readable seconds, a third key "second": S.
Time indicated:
{"hour": 8, "minute": 30}
